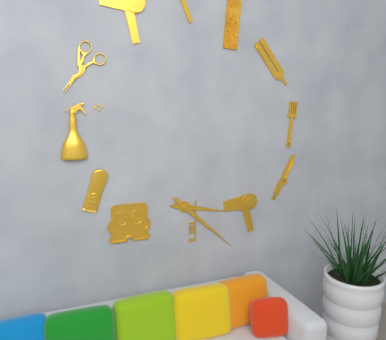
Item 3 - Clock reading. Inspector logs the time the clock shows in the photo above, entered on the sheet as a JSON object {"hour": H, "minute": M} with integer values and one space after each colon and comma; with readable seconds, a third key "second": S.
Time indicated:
{"hour": 3, "minute": 22}
